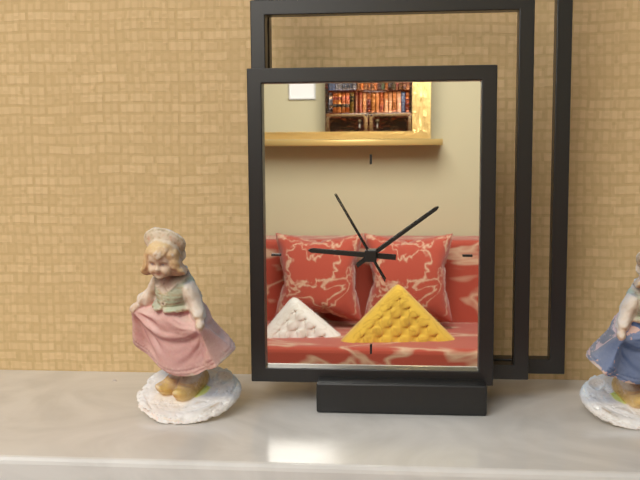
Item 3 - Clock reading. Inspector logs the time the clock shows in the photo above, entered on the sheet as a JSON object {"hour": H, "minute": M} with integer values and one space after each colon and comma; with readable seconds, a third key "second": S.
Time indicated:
{"hour": 9, "minute": 9, "second": 55}
